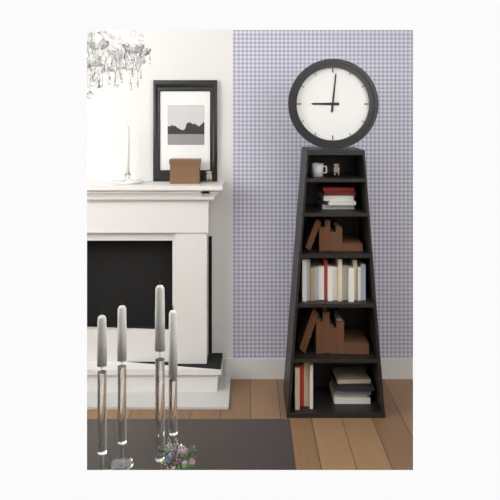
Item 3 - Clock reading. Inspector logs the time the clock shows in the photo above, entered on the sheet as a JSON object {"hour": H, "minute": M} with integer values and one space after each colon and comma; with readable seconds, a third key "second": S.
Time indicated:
{"hour": 9, "minute": 1}
